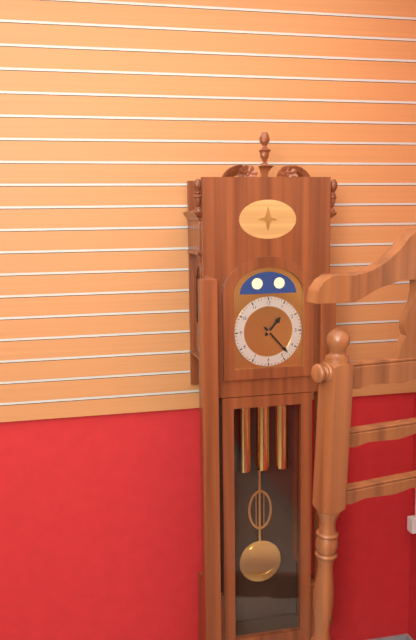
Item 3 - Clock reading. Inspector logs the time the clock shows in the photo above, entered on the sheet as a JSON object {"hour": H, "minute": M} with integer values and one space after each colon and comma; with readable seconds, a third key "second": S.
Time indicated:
{"hour": 1, "minute": 23}
